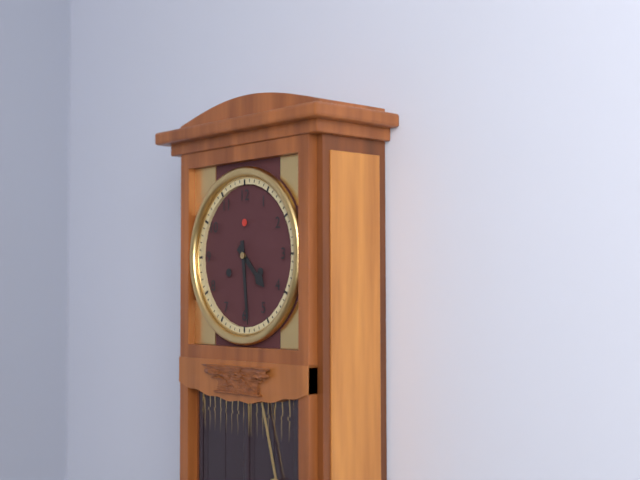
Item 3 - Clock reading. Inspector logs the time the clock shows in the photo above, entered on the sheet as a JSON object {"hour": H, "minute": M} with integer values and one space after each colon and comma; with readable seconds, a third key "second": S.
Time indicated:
{"hour": 4, "minute": 29}
